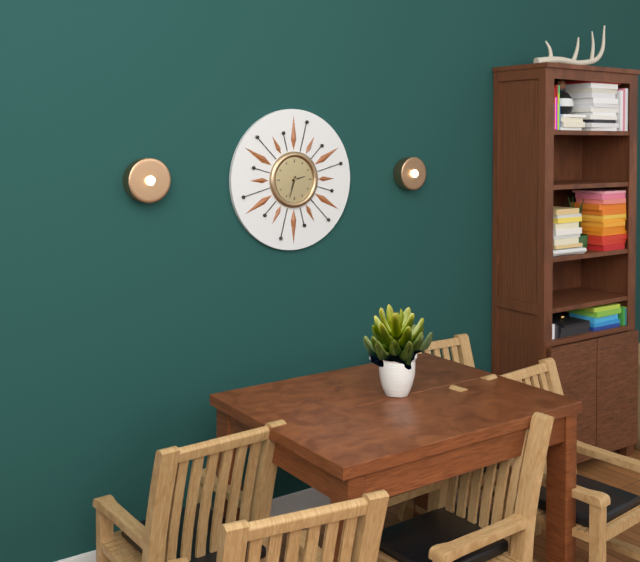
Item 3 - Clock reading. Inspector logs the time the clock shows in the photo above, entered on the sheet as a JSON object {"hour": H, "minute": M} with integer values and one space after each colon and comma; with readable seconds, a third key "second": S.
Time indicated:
{"hour": 2, "minute": 33}
